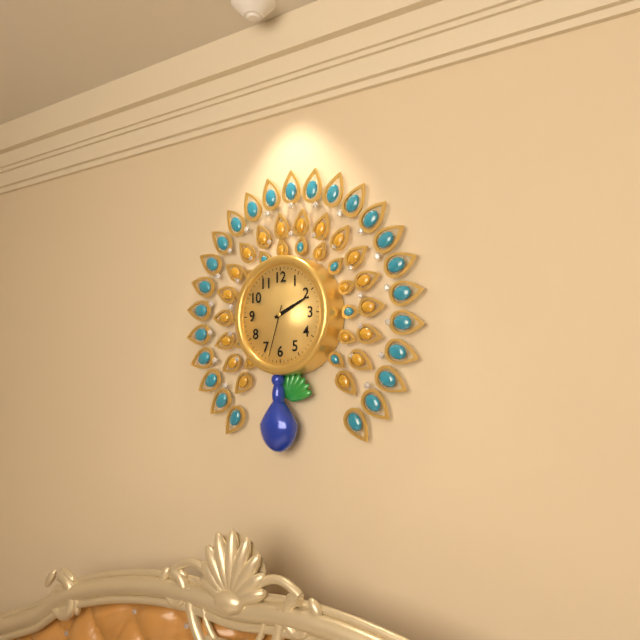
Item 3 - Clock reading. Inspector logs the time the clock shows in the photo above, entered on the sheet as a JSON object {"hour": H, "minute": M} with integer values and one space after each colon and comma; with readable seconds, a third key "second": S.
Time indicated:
{"hour": 2, "minute": 11, "second": 33}
